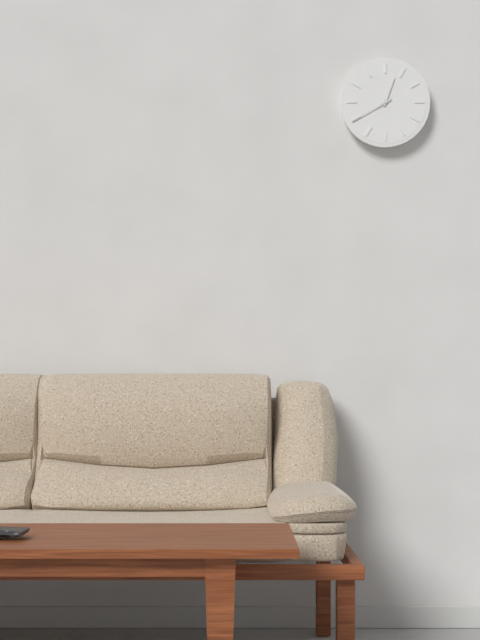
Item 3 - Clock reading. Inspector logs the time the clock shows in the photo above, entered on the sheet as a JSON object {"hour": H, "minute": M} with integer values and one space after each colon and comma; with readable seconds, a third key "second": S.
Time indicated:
{"hour": 12, "minute": 40}
